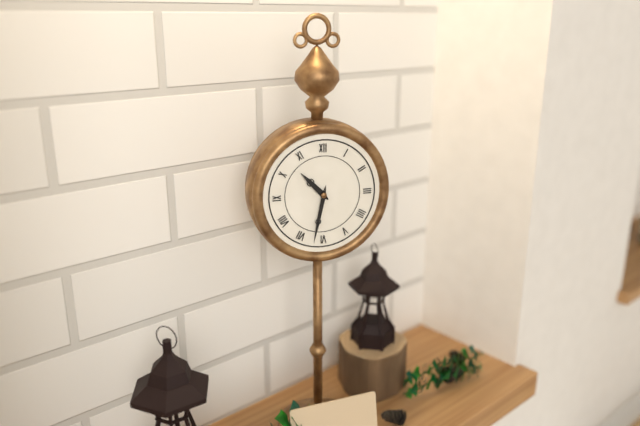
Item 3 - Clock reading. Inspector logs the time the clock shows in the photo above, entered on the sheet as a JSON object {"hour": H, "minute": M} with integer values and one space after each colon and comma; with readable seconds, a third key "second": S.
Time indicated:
{"hour": 10, "minute": 32}
